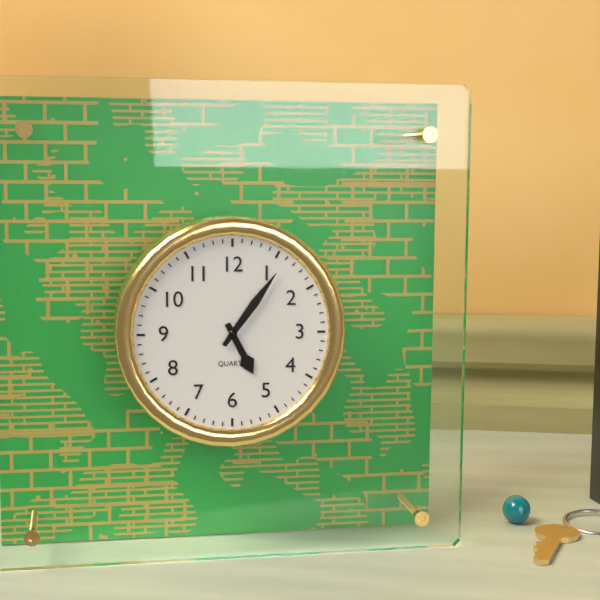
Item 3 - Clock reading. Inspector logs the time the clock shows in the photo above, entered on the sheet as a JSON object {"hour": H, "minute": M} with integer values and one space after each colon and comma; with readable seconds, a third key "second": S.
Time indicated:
{"hour": 5, "minute": 6}
